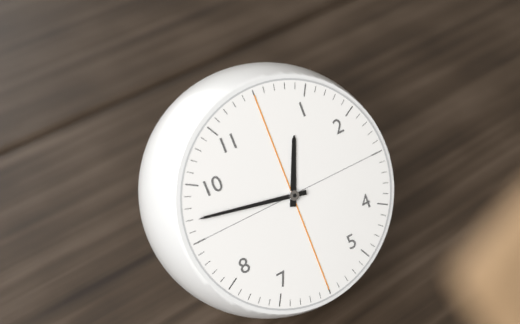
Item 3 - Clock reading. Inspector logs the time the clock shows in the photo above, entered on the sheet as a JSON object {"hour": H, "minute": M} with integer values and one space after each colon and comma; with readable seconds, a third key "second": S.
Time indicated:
{"hour": 12, "minute": 47}
